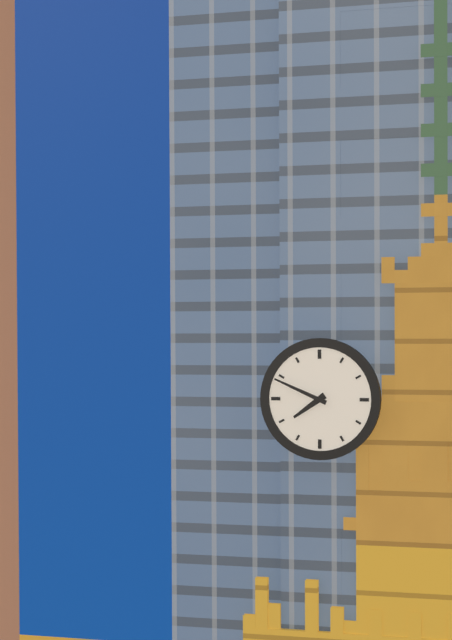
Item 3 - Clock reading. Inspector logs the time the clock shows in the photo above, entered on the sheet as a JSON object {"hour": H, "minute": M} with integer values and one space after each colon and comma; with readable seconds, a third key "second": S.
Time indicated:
{"hour": 7, "minute": 49}
